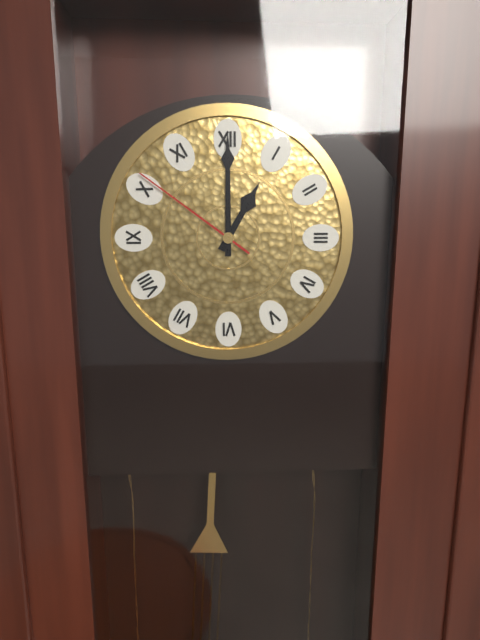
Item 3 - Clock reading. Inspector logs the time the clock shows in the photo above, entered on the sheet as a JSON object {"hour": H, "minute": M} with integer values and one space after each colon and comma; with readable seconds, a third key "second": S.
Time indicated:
{"hour": 1, "minute": 0, "second": 51}
